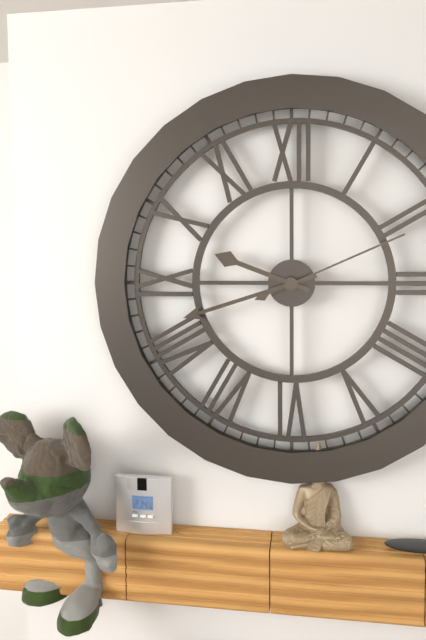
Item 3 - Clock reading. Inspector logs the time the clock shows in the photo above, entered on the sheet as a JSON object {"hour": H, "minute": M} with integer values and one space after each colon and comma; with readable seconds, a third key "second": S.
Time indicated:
{"hour": 9, "minute": 42, "second": 11}
